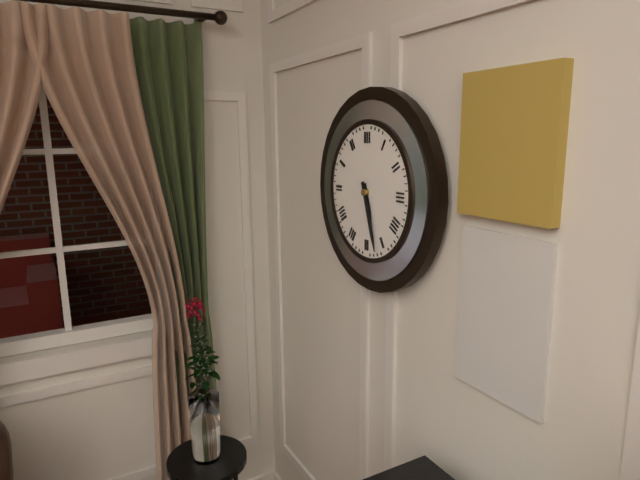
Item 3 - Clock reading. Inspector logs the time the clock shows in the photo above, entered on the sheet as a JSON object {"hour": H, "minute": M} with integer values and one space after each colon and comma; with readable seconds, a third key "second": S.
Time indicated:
{"hour": 5, "minute": 27}
